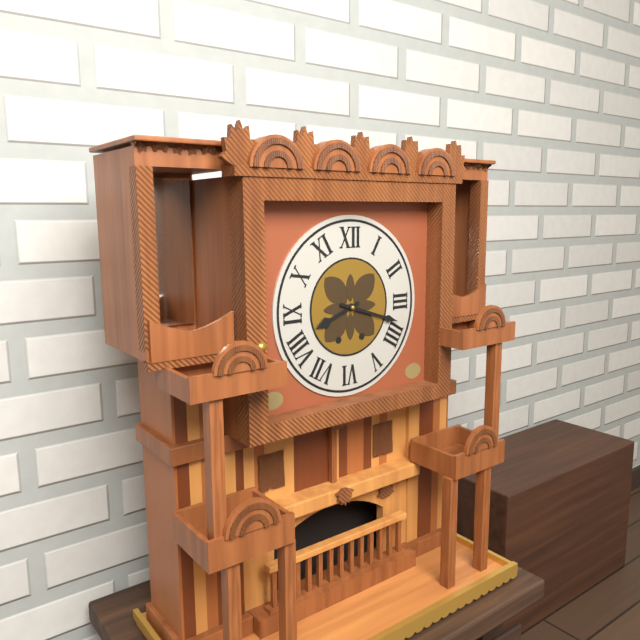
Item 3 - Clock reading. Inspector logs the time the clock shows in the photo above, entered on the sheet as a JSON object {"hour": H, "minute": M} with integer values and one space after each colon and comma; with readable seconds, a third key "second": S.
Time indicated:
{"hour": 8, "minute": 18}
